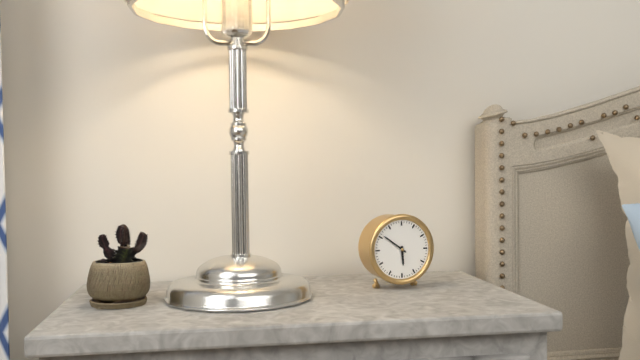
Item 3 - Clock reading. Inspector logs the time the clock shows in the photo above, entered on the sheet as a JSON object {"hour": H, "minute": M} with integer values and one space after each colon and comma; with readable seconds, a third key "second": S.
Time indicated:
{"hour": 5, "minute": 51}
